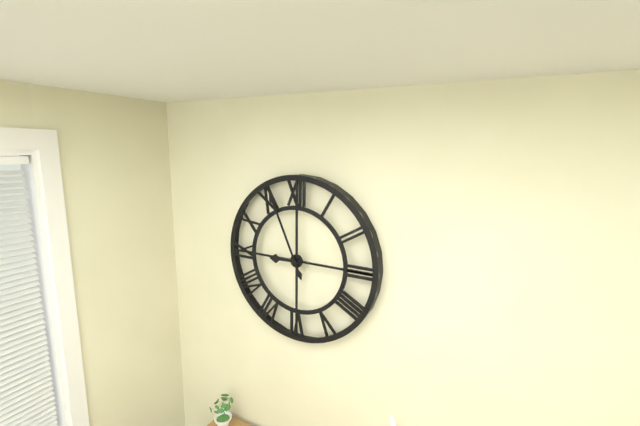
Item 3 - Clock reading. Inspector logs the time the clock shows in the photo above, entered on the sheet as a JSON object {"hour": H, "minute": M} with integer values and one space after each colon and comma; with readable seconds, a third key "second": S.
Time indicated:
{"hour": 8, "minute": 56}
